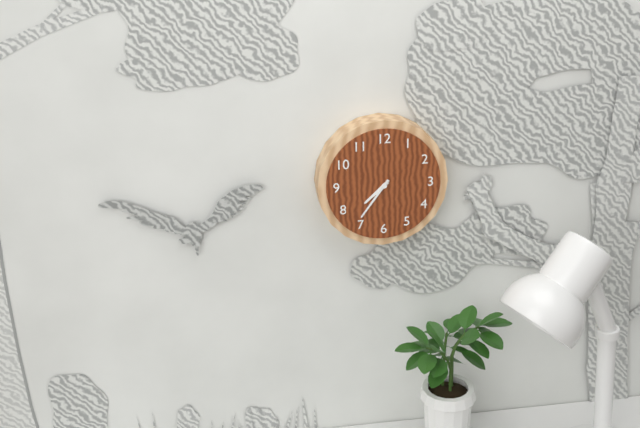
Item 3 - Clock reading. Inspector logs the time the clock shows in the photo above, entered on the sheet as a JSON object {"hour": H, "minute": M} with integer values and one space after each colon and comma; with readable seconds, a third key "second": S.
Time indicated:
{"hour": 7, "minute": 36}
